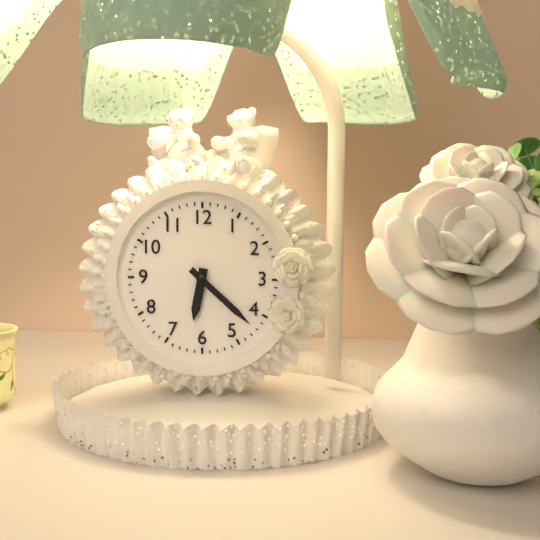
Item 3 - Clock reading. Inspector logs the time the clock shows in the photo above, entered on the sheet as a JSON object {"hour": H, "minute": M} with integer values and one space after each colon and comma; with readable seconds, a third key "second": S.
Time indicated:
{"hour": 6, "minute": 22}
